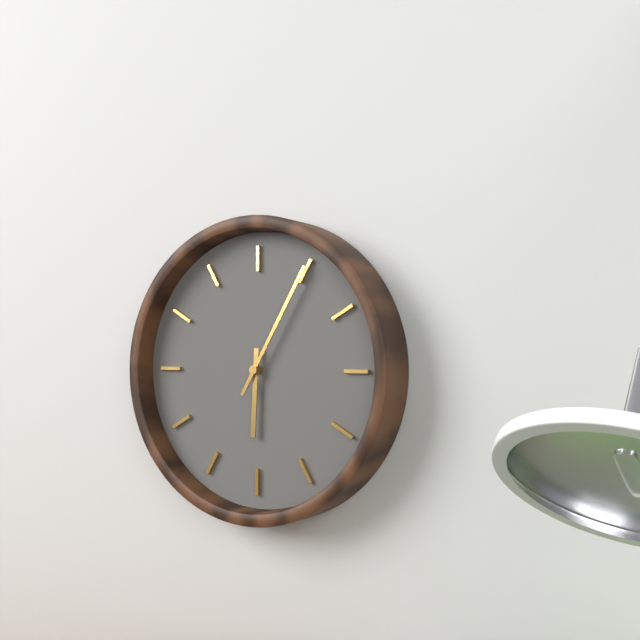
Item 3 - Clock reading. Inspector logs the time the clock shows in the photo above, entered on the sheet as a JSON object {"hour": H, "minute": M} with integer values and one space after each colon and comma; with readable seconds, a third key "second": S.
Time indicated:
{"hour": 6, "minute": 5}
